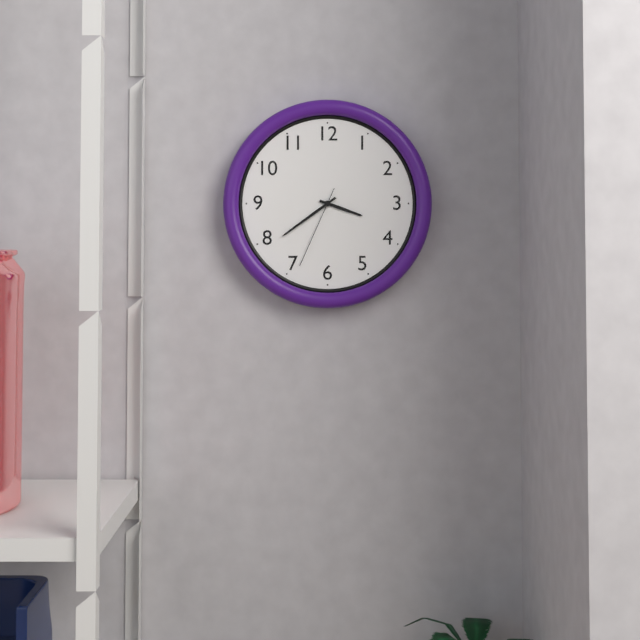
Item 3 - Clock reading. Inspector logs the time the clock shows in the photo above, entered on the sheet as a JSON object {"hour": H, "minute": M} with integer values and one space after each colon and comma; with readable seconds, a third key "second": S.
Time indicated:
{"hour": 3, "minute": 39, "second": 34}
